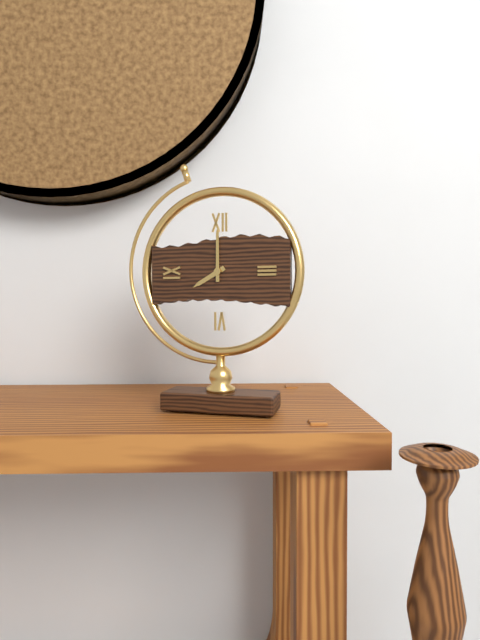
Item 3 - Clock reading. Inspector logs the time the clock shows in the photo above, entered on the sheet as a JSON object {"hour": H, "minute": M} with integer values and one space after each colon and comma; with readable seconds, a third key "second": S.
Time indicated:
{"hour": 8, "minute": 0}
